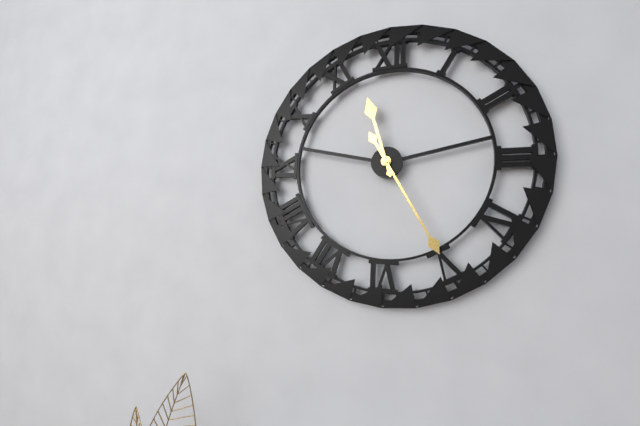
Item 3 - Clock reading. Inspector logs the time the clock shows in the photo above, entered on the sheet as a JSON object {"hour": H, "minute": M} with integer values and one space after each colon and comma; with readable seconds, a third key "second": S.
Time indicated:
{"hour": 11, "minute": 25}
